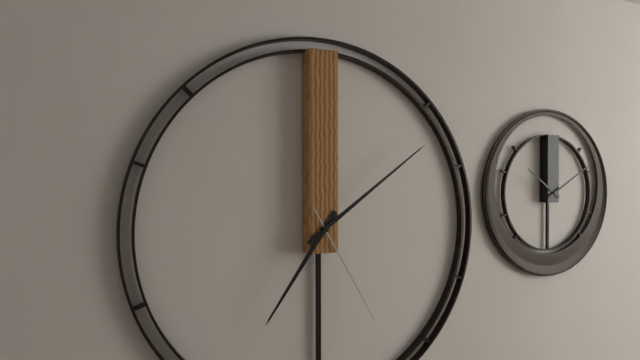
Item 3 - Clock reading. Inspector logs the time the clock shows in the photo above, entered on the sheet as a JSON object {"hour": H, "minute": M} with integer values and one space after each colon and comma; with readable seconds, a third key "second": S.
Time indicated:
{"hour": 7, "minute": 9, "second": 25}
